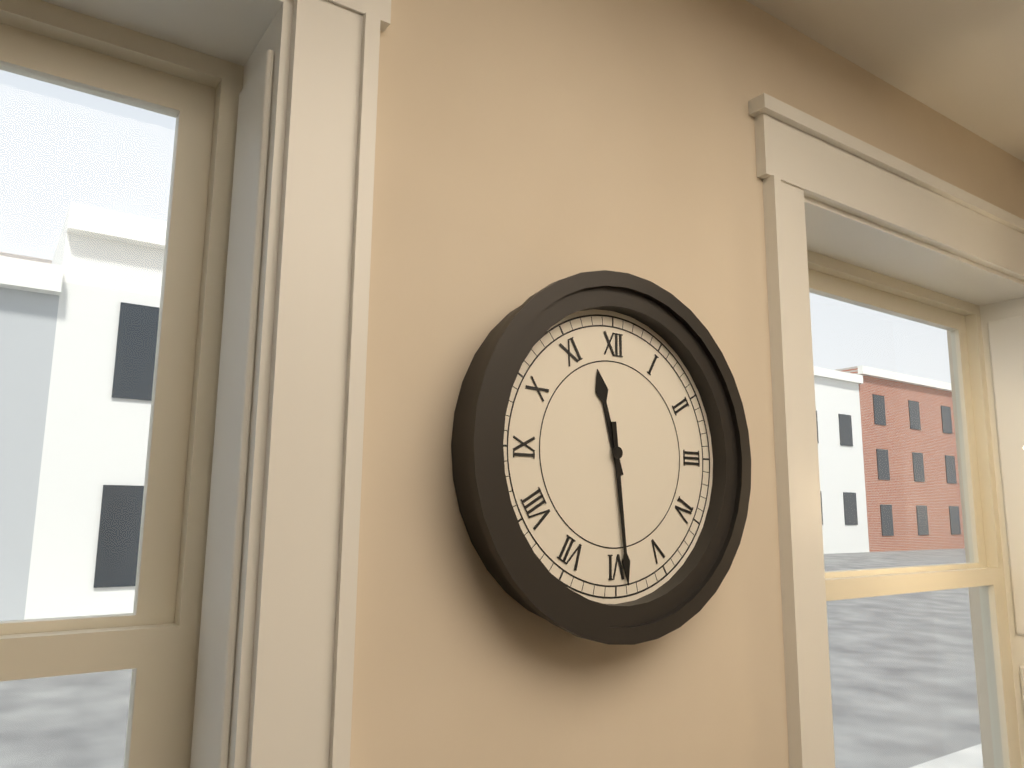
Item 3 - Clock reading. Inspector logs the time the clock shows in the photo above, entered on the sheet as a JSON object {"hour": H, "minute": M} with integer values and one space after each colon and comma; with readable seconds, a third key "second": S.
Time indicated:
{"hour": 11, "minute": 29}
